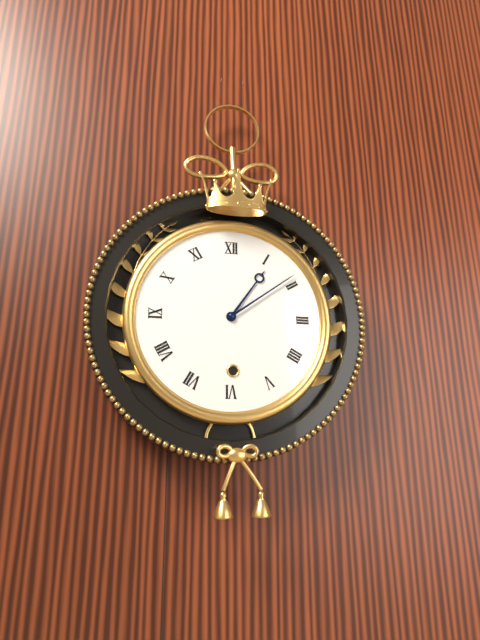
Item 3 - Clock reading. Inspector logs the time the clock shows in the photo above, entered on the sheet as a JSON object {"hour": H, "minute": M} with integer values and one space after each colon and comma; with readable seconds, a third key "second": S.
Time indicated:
{"hour": 1, "minute": 9}
